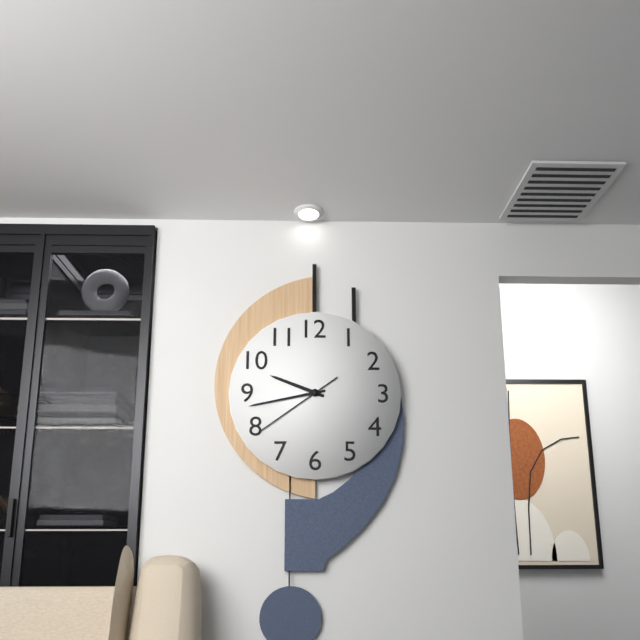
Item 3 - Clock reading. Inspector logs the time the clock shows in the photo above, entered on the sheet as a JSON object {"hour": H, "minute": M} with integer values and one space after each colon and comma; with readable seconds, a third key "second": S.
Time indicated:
{"hour": 9, "minute": 43, "second": 39}
